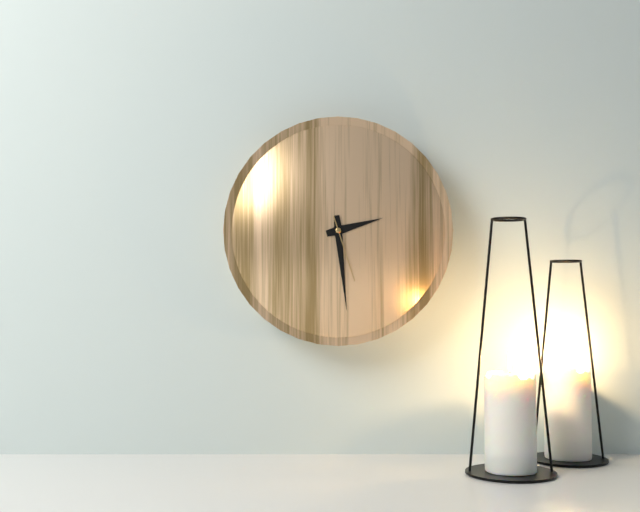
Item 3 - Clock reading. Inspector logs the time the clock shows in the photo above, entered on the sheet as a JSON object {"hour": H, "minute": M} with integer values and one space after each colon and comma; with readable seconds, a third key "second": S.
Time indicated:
{"hour": 2, "minute": 29, "second": 27}
